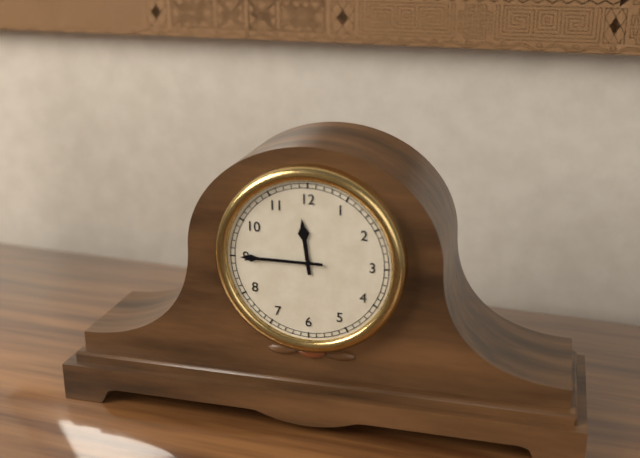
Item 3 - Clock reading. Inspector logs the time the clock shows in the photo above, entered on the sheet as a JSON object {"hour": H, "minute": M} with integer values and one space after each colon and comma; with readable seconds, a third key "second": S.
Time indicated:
{"hour": 11, "minute": 45}
